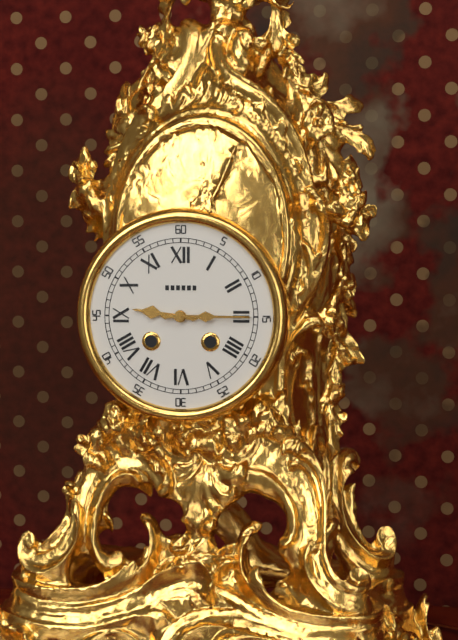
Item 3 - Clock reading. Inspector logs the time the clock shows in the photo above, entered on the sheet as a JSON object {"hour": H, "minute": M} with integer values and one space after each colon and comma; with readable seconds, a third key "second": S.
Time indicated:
{"hour": 9, "minute": 15}
